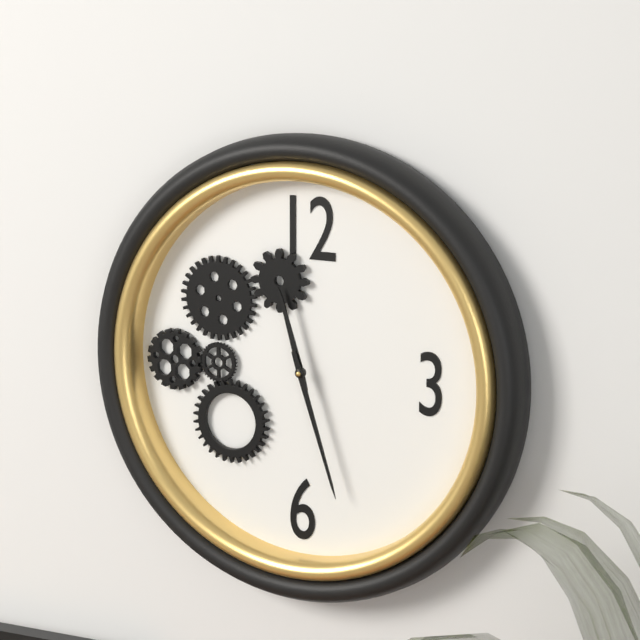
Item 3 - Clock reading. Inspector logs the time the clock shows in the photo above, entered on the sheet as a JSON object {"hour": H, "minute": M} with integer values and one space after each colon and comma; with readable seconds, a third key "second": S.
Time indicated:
{"hour": 11, "minute": 27}
